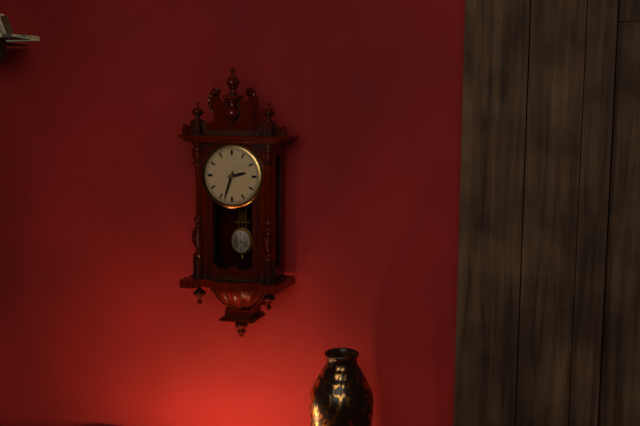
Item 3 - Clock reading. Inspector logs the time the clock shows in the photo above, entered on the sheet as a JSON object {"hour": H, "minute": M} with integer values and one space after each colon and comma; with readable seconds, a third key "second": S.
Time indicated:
{"hour": 2, "minute": 33}
